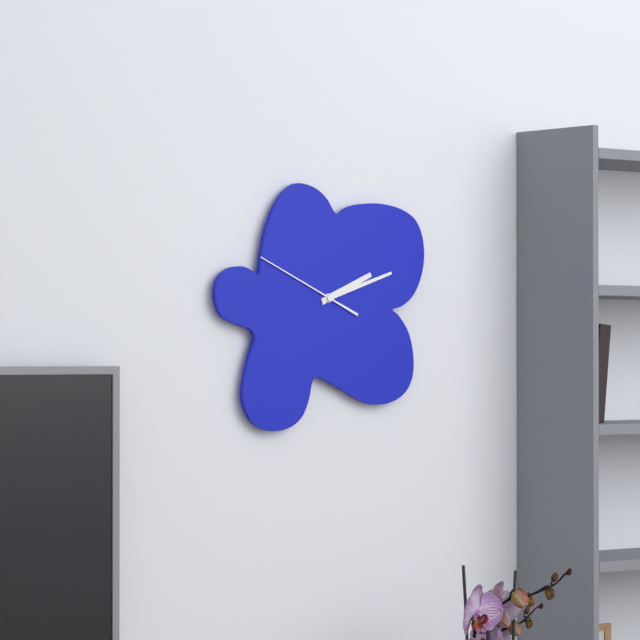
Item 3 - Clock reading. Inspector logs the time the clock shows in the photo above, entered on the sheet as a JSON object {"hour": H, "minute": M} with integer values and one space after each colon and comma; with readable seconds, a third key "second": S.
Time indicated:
{"hour": 2, "minute": 12, "second": 49}
